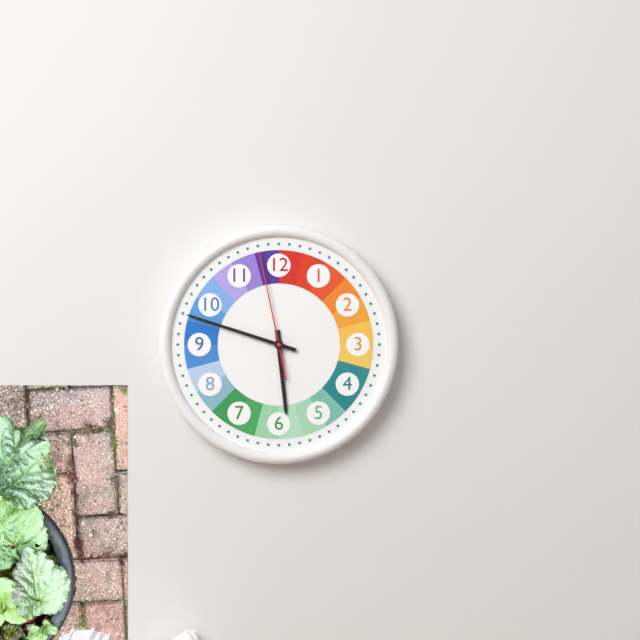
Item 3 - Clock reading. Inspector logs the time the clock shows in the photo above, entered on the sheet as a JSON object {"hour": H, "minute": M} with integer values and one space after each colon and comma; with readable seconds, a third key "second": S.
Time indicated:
{"hour": 5, "minute": 48, "second": 58}
